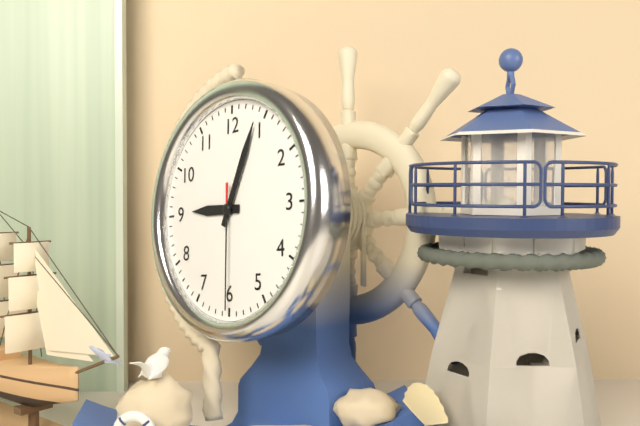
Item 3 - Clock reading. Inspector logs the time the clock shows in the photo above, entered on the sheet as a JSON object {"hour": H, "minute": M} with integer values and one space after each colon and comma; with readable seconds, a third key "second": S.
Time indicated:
{"hour": 9, "minute": 4, "second": 30}
